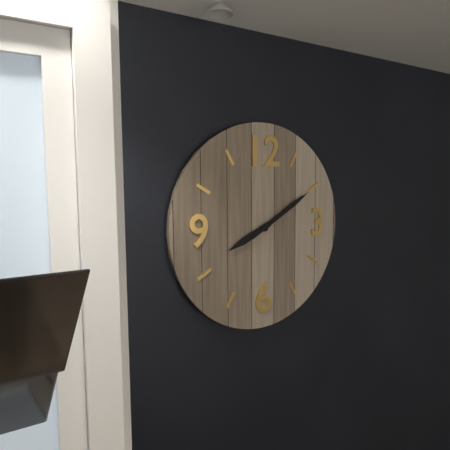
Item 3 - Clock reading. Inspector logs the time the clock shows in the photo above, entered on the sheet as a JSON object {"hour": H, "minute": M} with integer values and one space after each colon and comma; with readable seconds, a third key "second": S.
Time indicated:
{"hour": 8, "minute": 10}
